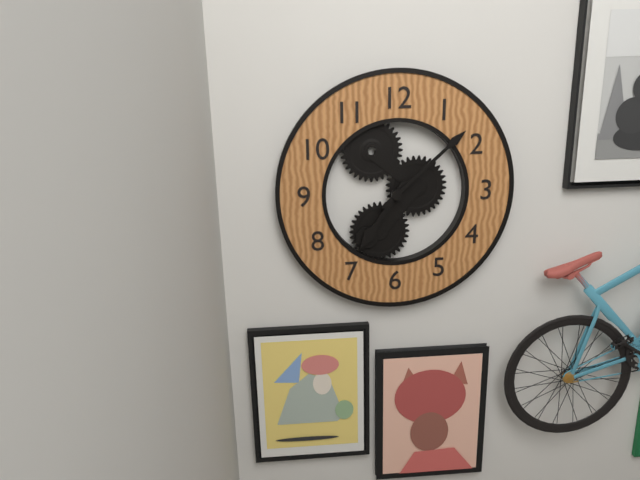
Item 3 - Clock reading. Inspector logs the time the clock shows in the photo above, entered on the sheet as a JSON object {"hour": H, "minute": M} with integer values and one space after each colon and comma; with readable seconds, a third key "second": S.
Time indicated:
{"hour": 7, "minute": 8}
